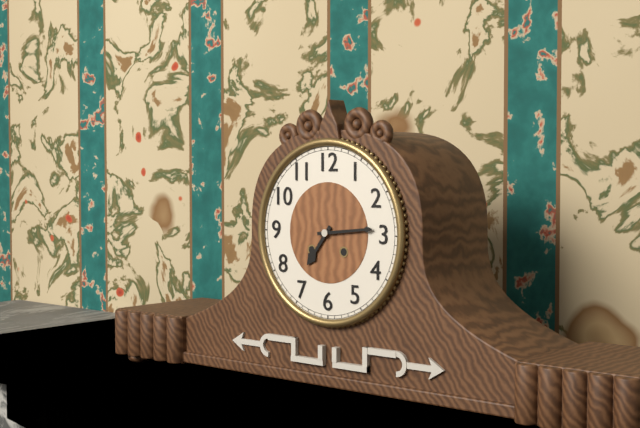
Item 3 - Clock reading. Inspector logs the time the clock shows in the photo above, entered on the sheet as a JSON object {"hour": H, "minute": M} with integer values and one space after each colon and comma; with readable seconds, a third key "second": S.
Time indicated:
{"hour": 7, "minute": 14}
